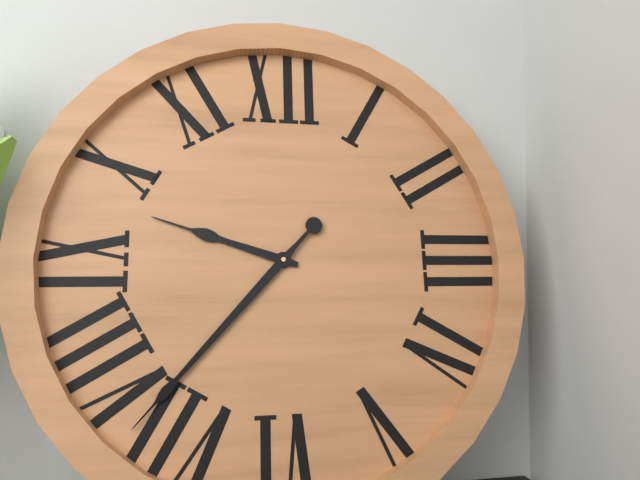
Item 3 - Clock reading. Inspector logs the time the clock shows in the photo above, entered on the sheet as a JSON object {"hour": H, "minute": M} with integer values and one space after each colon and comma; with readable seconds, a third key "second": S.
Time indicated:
{"hour": 9, "minute": 37}
